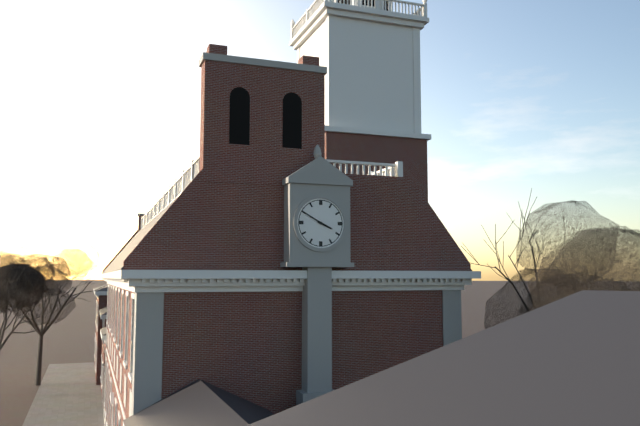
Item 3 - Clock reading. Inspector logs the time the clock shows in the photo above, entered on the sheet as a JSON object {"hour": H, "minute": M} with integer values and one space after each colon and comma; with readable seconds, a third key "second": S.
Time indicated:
{"hour": 3, "minute": 50}
